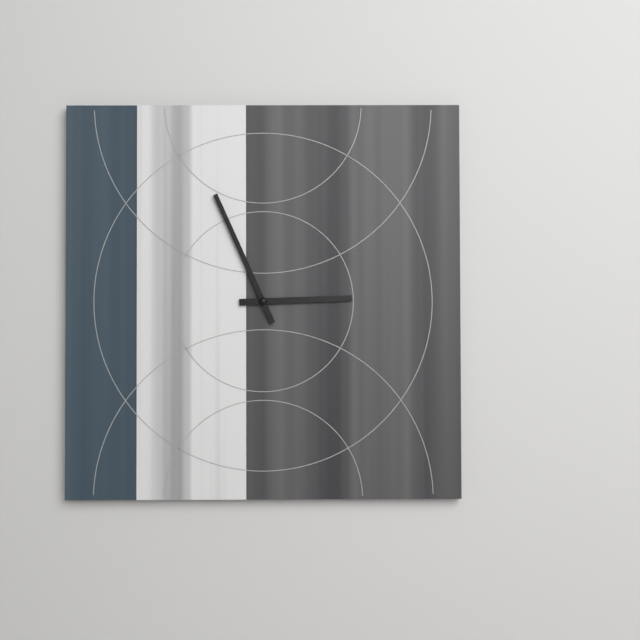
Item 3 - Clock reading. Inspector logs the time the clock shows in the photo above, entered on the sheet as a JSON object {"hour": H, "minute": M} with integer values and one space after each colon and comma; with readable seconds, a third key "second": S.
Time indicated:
{"hour": 2, "minute": 56}
